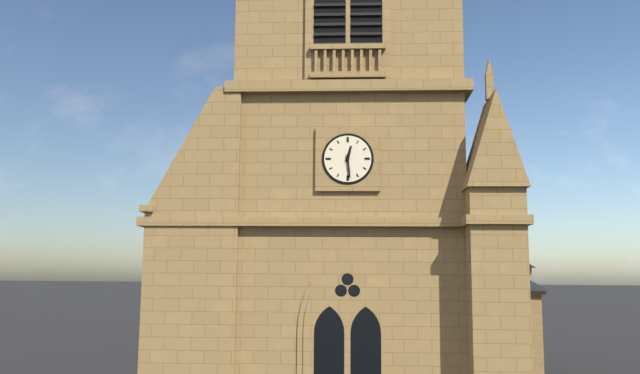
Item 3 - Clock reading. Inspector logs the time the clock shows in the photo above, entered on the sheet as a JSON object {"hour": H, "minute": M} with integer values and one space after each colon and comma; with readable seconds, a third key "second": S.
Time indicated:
{"hour": 12, "minute": 29}
